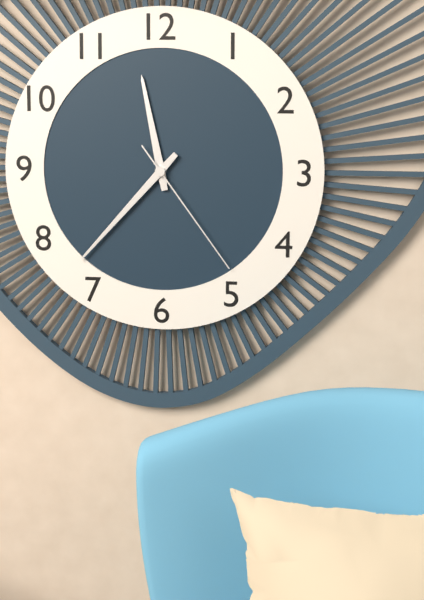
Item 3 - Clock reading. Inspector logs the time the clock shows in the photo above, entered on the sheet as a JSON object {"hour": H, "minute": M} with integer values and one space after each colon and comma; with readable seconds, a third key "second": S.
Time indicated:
{"hour": 11, "minute": 37, "second": 24}
